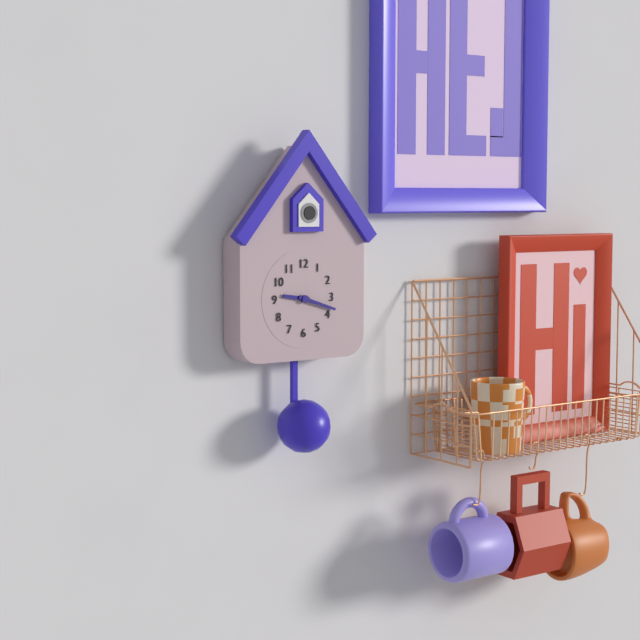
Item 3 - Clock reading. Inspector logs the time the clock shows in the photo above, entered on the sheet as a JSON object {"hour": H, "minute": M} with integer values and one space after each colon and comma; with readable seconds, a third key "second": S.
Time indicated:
{"hour": 9, "minute": 18}
